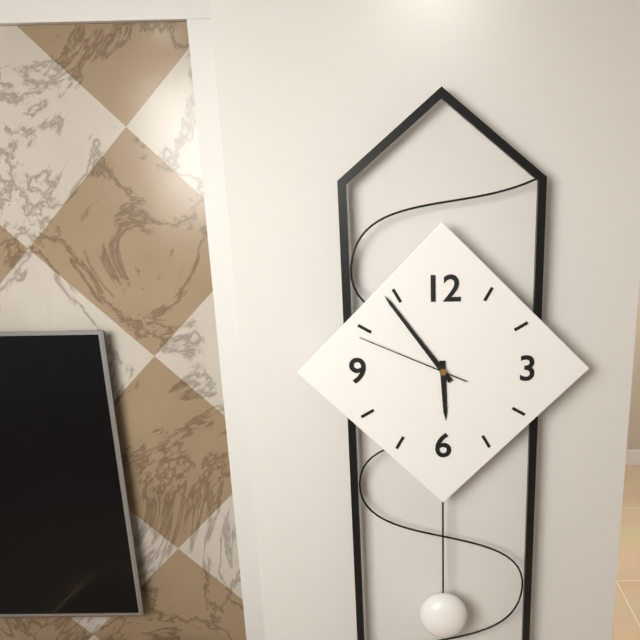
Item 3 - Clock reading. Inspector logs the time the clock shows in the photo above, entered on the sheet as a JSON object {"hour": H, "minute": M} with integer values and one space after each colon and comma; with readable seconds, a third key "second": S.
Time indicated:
{"hour": 5, "minute": 54, "second": 49}
